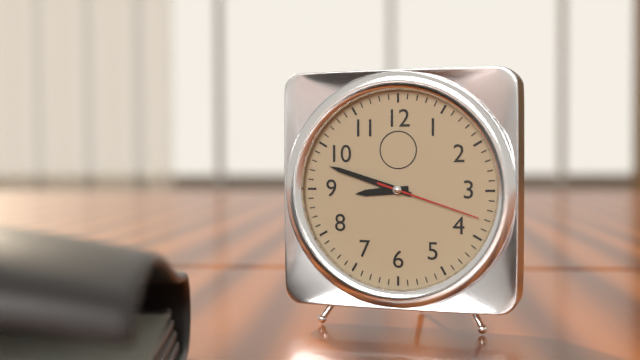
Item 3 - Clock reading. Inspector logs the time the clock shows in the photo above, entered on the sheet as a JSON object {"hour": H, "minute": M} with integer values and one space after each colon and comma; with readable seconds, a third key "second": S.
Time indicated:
{"hour": 8, "minute": 48, "second": 18}
